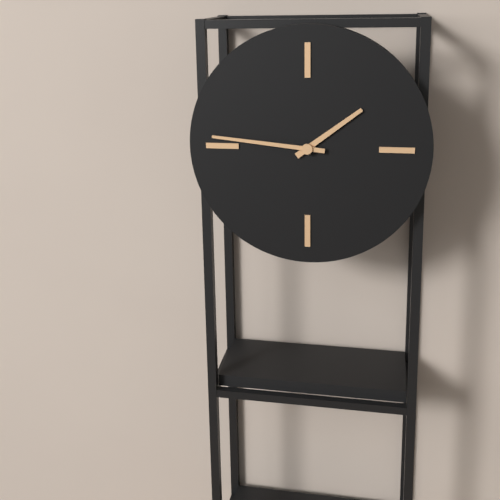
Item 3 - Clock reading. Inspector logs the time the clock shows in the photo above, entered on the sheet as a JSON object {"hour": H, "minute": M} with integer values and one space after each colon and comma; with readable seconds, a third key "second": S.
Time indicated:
{"hour": 1, "minute": 46}
